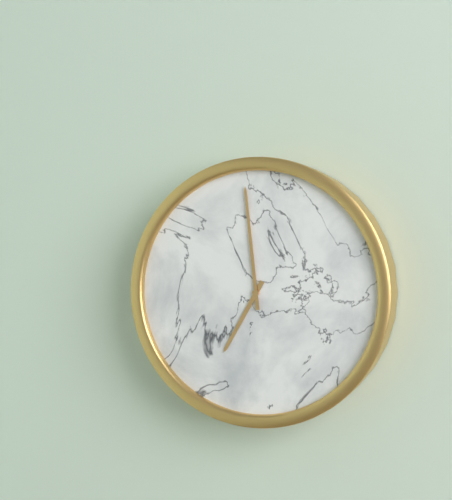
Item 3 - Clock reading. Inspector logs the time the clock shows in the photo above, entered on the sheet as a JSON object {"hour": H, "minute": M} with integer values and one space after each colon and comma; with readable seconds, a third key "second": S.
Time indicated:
{"hour": 6, "minute": 59}
